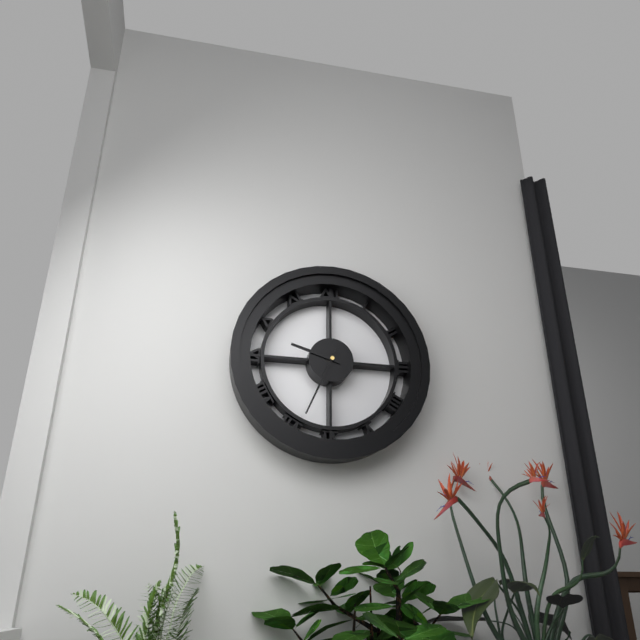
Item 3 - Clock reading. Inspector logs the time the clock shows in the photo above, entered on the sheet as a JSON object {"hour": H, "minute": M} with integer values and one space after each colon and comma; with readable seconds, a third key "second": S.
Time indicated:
{"hour": 9, "minute": 34}
